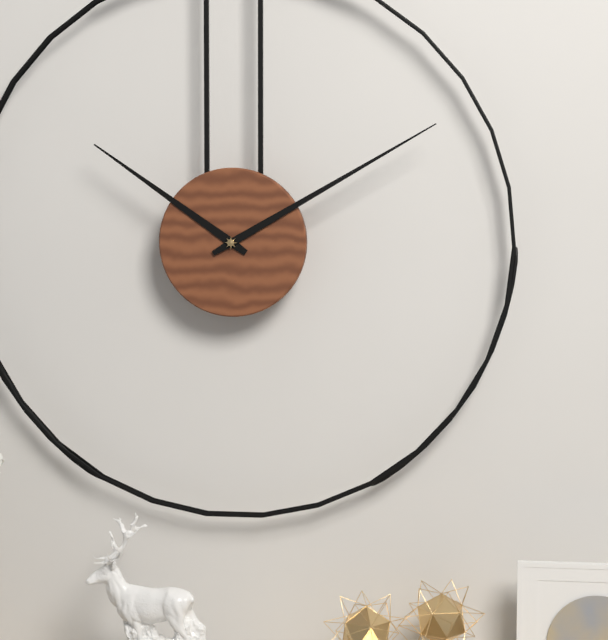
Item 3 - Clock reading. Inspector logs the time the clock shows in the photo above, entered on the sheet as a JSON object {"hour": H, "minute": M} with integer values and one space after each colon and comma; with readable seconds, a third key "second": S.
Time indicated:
{"hour": 10, "minute": 10}
